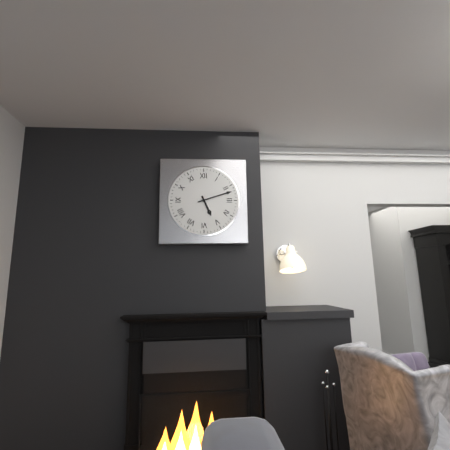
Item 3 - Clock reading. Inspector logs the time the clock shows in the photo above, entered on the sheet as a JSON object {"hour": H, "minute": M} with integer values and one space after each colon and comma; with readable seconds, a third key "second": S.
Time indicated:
{"hour": 5, "minute": 12}
